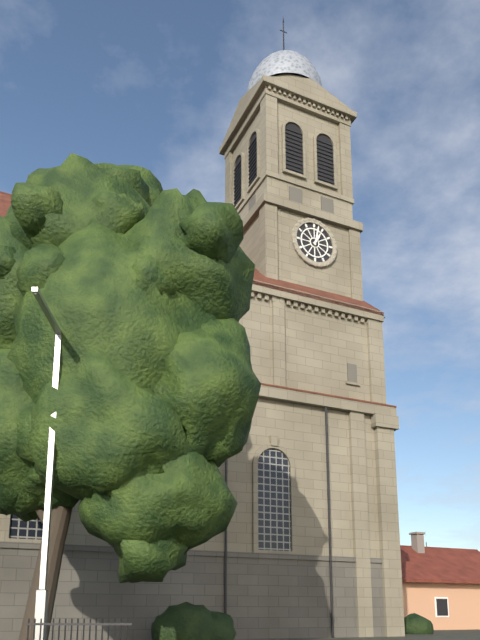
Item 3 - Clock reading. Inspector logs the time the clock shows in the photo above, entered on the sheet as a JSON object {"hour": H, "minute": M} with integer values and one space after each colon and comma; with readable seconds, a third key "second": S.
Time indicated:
{"hour": 1, "minute": 2}
